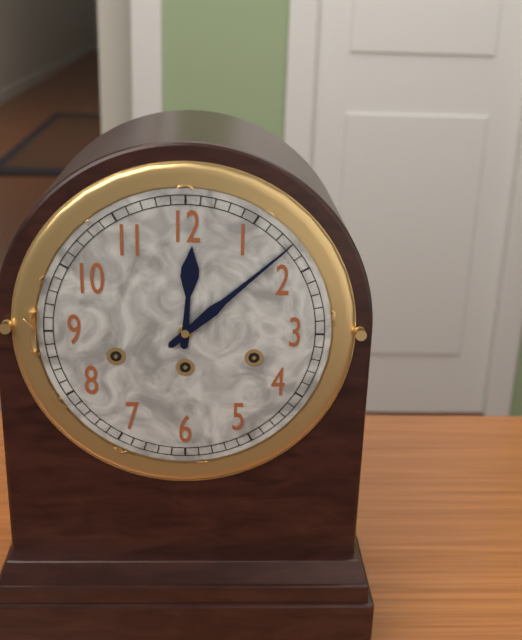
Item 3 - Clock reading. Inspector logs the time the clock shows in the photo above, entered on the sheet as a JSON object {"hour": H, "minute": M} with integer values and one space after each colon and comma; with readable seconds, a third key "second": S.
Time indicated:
{"hour": 12, "minute": 8}
